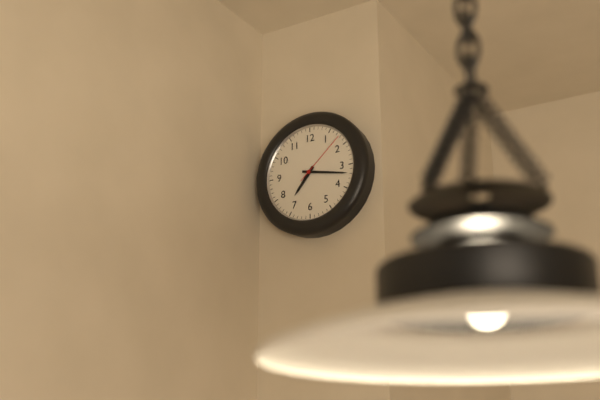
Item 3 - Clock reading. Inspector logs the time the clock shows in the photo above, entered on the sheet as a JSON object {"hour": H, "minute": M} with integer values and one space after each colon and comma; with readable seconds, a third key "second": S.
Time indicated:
{"hour": 7, "minute": 17, "second": 8}
